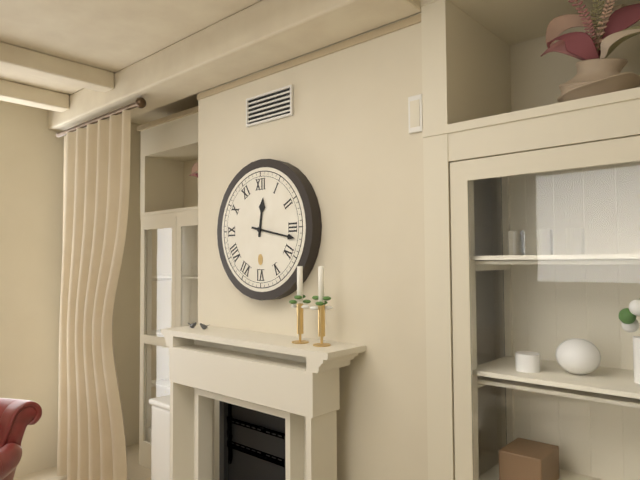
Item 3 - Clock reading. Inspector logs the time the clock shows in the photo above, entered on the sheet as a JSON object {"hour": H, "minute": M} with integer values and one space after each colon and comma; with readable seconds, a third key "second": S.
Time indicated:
{"hour": 12, "minute": 17}
